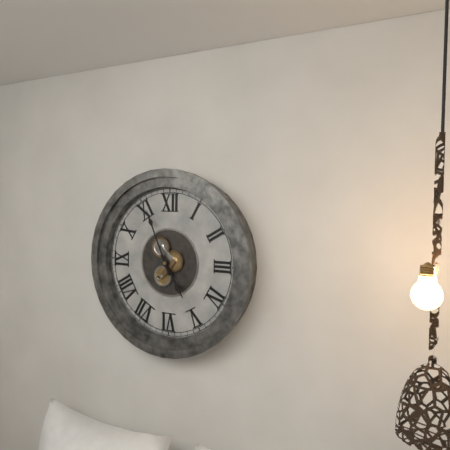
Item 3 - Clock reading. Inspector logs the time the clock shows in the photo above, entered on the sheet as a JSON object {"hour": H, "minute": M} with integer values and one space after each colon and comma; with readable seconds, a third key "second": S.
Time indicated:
{"hour": 4, "minute": 56}
